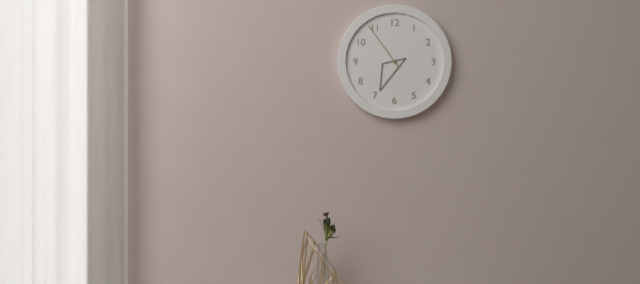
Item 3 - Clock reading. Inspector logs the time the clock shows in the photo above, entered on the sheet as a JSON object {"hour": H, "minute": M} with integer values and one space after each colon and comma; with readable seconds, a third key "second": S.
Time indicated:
{"hour": 6, "minute": 54}
